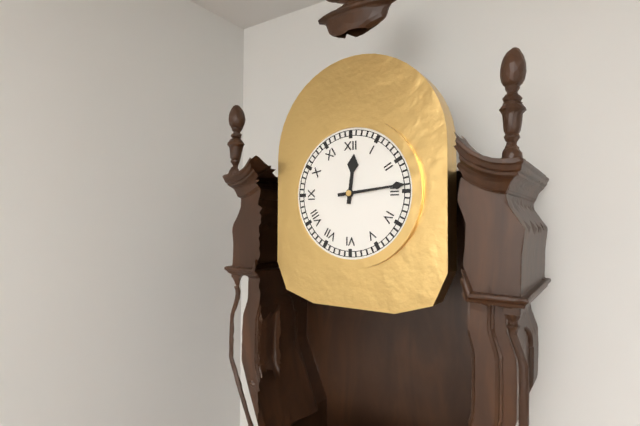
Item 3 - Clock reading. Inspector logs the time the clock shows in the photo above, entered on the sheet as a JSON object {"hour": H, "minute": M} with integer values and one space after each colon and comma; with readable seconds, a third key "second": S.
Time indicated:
{"hour": 12, "minute": 14}
